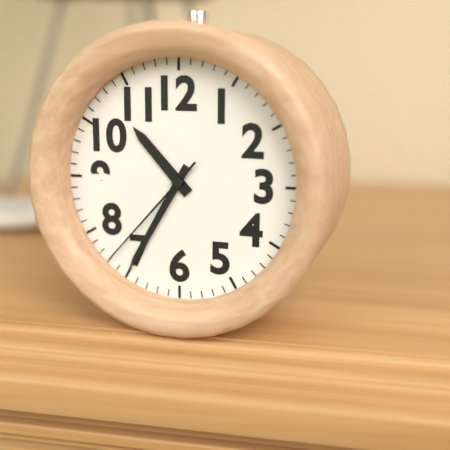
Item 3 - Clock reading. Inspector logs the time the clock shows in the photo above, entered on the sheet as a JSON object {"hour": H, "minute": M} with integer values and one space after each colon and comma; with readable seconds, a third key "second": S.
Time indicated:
{"hour": 10, "minute": 35, "second": 37}
